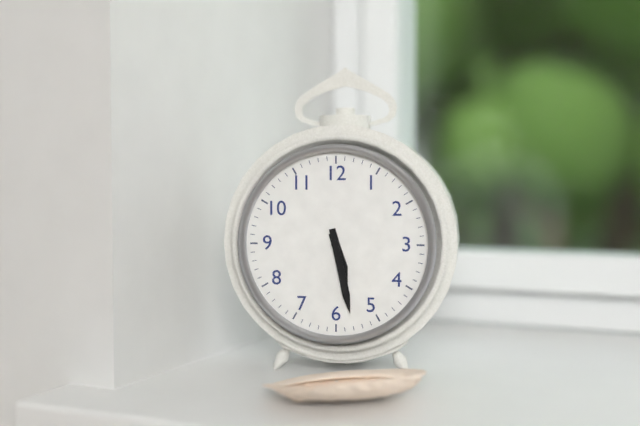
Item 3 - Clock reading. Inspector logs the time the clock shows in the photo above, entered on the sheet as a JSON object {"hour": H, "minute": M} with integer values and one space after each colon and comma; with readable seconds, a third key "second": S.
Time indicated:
{"hour": 5, "minute": 28}
